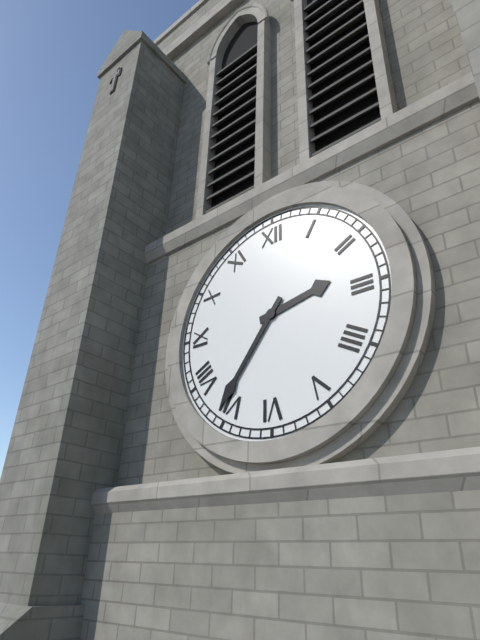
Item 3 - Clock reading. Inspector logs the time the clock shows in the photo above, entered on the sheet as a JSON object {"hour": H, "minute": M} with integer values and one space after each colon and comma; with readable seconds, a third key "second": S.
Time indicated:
{"hour": 2, "minute": 36}
